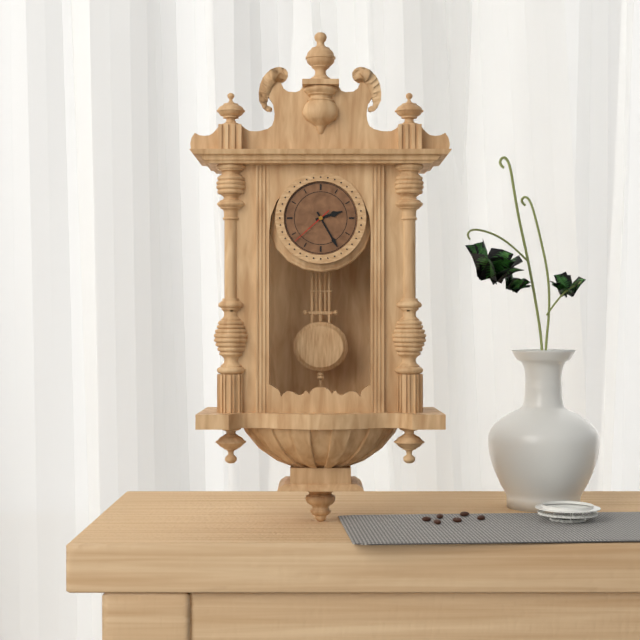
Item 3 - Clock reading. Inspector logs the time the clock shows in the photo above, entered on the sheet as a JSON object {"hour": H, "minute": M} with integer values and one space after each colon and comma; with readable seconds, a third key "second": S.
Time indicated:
{"hour": 2, "minute": 25}
